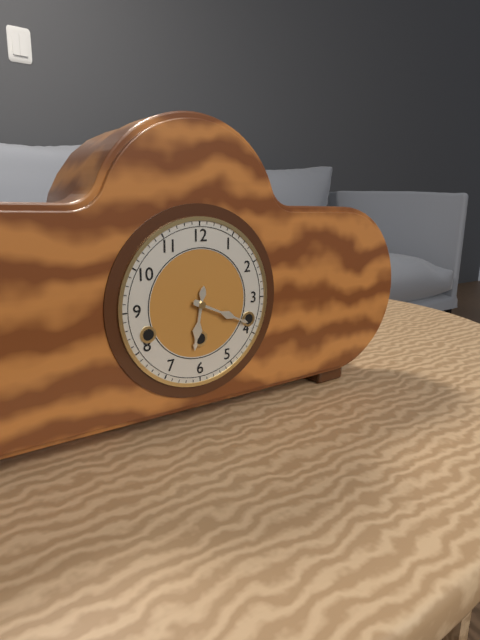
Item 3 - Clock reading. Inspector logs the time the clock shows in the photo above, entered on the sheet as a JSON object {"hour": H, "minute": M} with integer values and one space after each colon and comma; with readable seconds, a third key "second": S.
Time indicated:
{"hour": 6, "minute": 19}
